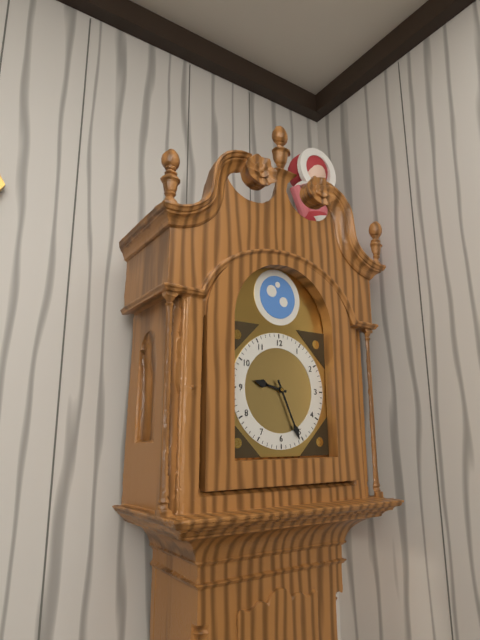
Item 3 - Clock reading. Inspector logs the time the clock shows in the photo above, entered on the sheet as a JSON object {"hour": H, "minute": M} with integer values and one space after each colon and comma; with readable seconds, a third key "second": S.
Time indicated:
{"hour": 9, "minute": 26}
